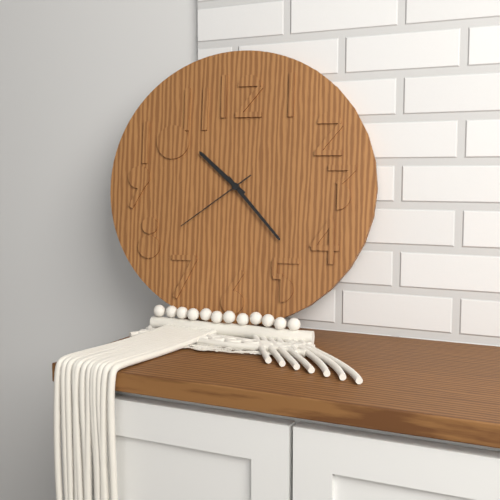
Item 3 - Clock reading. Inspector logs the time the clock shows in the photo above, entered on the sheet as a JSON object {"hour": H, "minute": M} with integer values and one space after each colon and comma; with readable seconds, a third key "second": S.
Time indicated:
{"hour": 10, "minute": 23, "second": 39}
